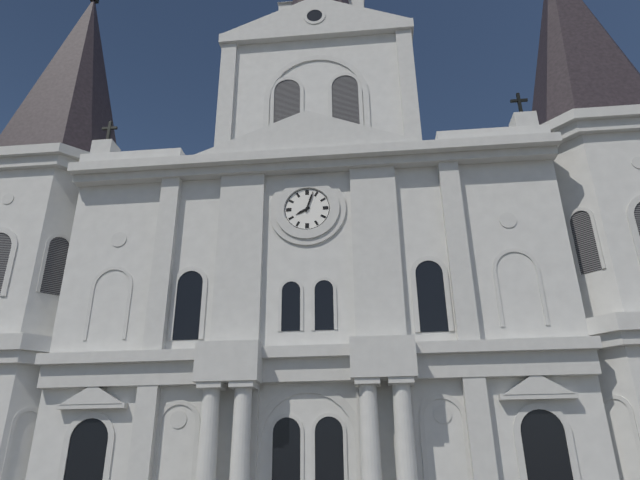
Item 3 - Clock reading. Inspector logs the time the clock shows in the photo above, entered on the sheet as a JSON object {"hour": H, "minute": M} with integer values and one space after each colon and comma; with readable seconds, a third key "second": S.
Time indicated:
{"hour": 8, "minute": 3}
